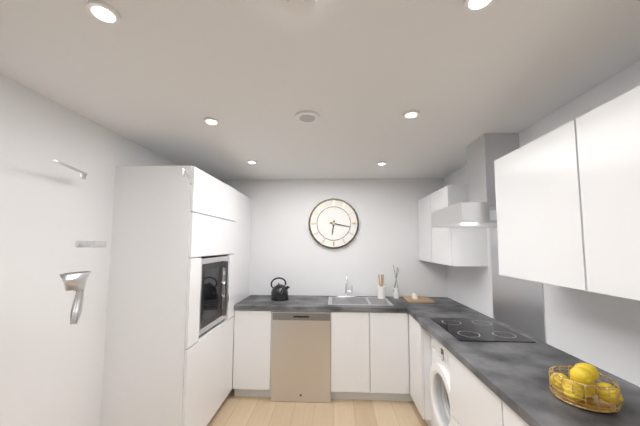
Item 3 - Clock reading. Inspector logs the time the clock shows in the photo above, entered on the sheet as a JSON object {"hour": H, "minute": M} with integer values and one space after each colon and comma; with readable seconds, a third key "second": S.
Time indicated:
{"hour": 6, "minute": 17}
